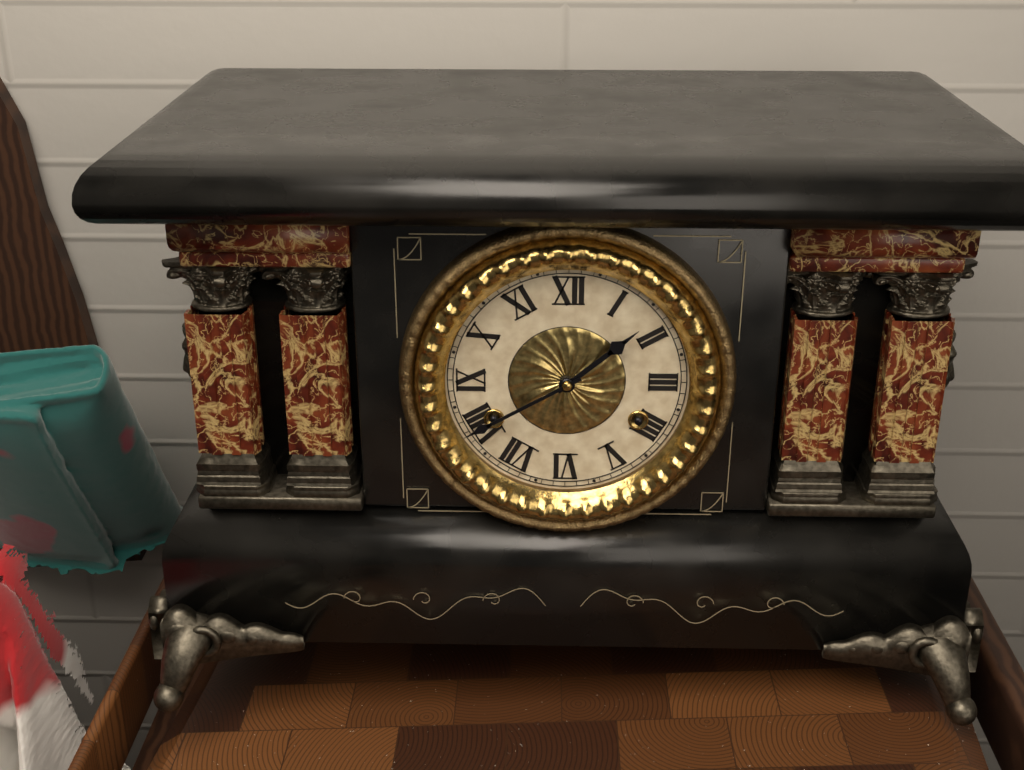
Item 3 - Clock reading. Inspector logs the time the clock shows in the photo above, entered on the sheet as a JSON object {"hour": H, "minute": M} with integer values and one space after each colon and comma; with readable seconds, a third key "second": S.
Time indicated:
{"hour": 1, "minute": 40}
